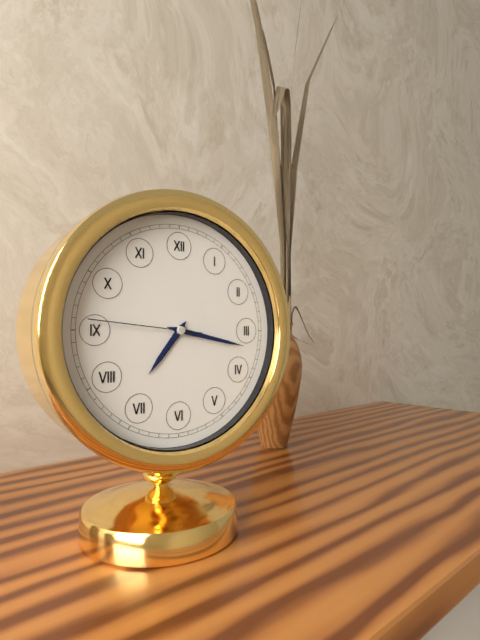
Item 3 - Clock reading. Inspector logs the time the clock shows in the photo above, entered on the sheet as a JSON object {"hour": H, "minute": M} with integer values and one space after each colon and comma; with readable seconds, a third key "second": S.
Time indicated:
{"hour": 7, "minute": 17, "second": 46}
